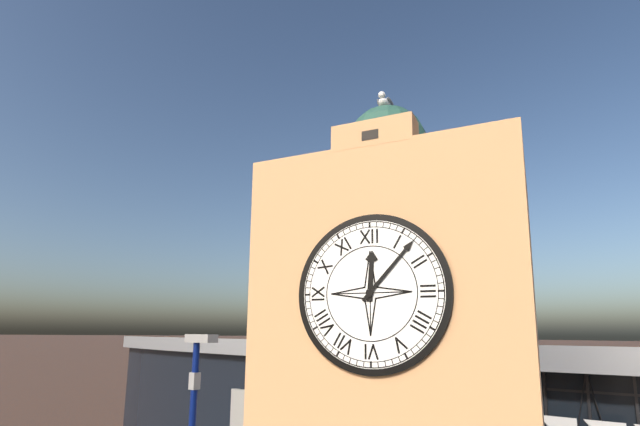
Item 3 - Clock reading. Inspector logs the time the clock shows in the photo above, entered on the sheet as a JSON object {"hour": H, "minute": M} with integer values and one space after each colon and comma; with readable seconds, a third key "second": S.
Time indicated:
{"hour": 12, "minute": 7}
